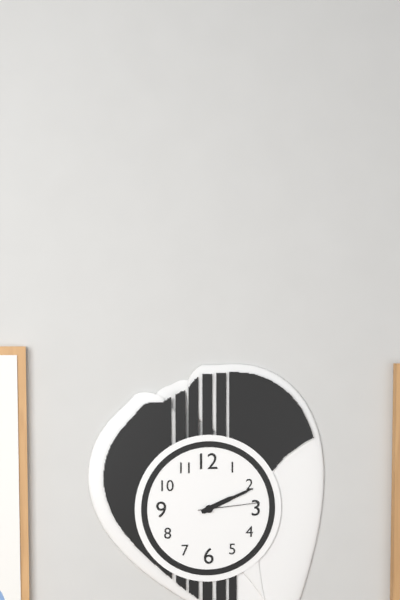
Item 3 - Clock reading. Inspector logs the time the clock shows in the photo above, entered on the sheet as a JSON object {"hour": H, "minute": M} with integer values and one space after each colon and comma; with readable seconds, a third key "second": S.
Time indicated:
{"hour": 2, "minute": 11, "second": 14}
